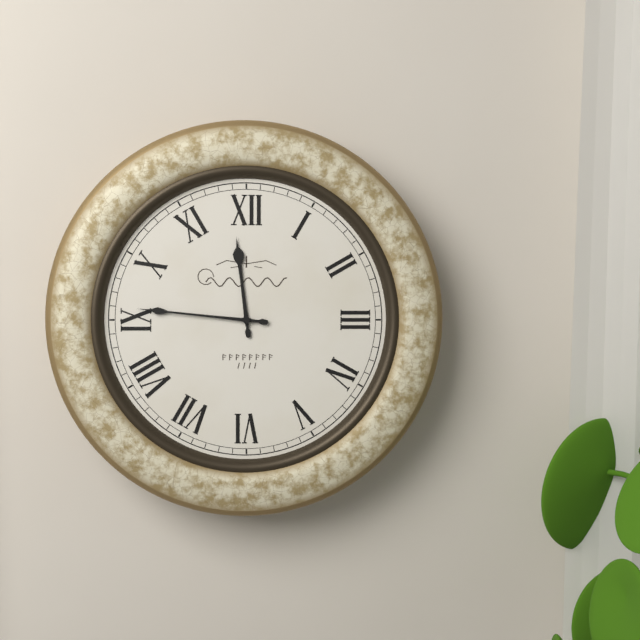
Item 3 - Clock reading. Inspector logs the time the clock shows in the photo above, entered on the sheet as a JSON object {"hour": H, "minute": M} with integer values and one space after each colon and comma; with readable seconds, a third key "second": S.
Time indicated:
{"hour": 11, "minute": 46}
